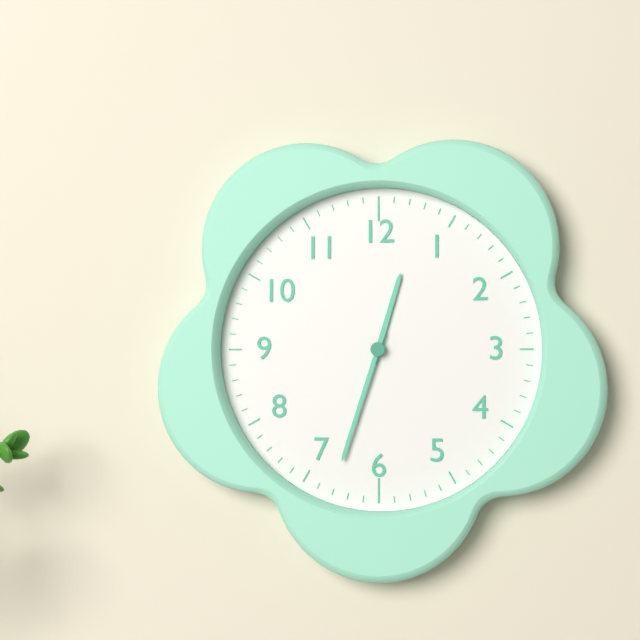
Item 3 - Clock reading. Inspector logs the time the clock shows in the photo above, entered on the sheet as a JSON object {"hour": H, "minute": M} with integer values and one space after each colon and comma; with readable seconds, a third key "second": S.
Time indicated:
{"hour": 12, "minute": 33}
